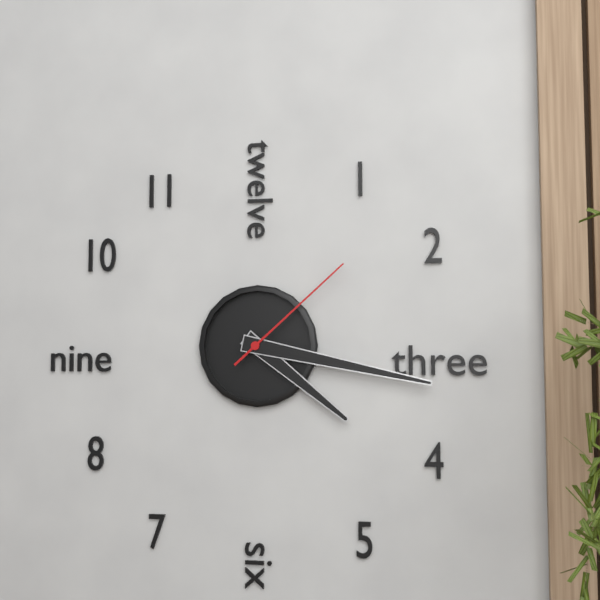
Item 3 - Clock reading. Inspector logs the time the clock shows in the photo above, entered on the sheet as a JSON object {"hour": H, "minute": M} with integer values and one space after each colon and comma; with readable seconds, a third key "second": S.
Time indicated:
{"hour": 4, "minute": 17, "second": 8}
